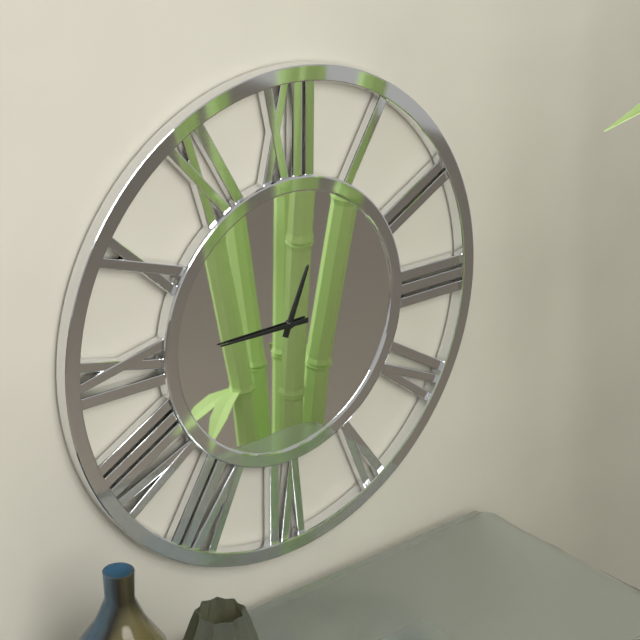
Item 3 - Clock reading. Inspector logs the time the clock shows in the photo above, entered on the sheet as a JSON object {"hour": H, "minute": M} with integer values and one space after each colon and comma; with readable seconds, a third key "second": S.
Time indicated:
{"hour": 12, "minute": 45}
